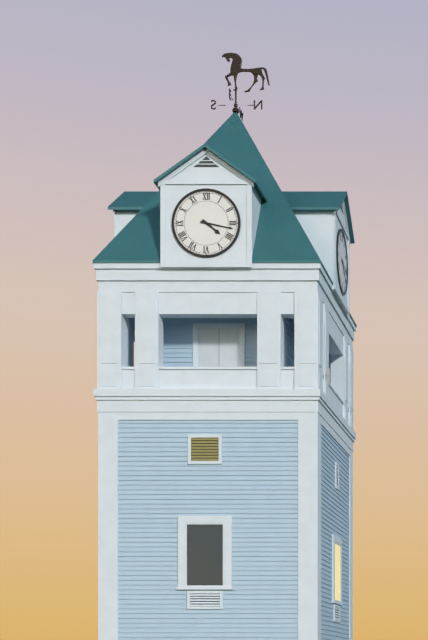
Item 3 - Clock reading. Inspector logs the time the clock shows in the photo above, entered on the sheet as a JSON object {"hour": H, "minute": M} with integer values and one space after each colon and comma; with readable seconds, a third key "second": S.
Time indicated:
{"hour": 4, "minute": 17}
